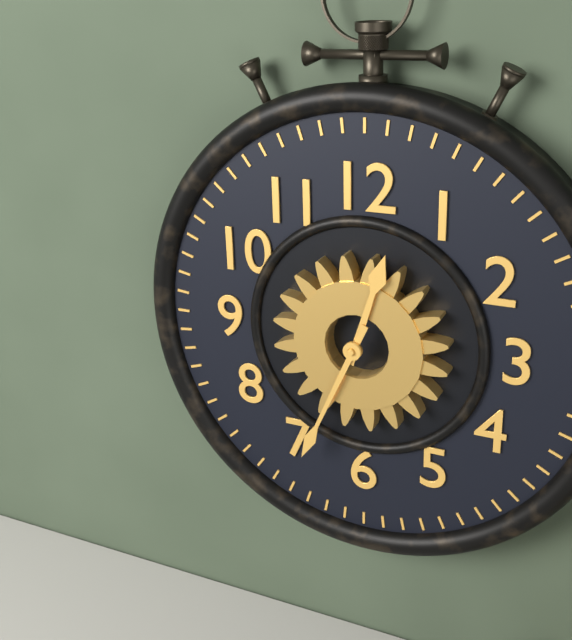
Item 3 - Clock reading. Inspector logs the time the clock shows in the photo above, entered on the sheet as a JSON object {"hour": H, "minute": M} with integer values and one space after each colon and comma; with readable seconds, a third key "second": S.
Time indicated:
{"hour": 12, "minute": 34}
